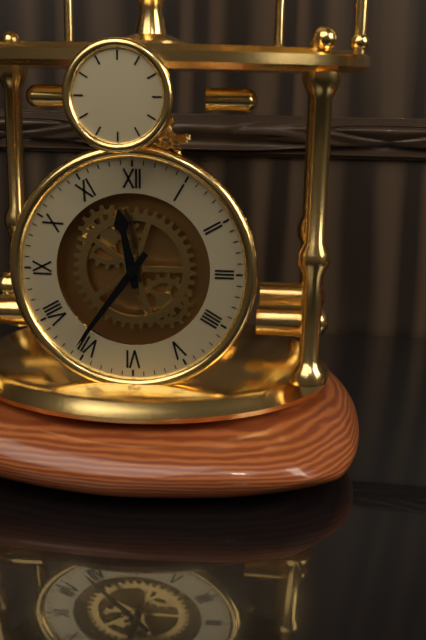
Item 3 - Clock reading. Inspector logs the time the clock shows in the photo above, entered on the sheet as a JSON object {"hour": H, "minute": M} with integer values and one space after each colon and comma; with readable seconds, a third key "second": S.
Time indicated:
{"hour": 11, "minute": 36}
